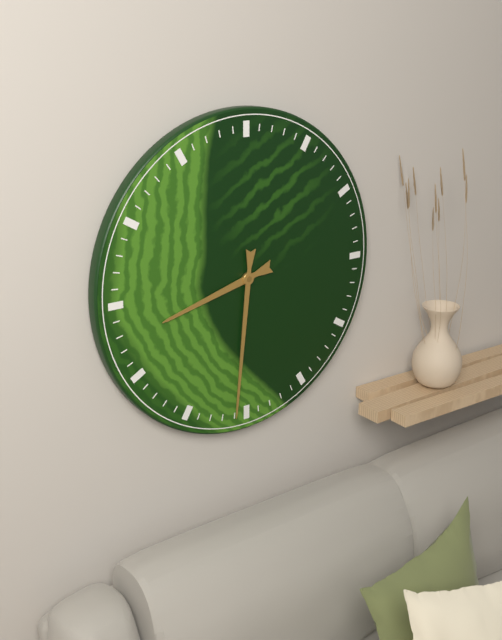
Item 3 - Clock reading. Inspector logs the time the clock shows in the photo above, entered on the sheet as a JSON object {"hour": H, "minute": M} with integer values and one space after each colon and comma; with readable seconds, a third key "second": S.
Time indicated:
{"hour": 8, "minute": 31}
